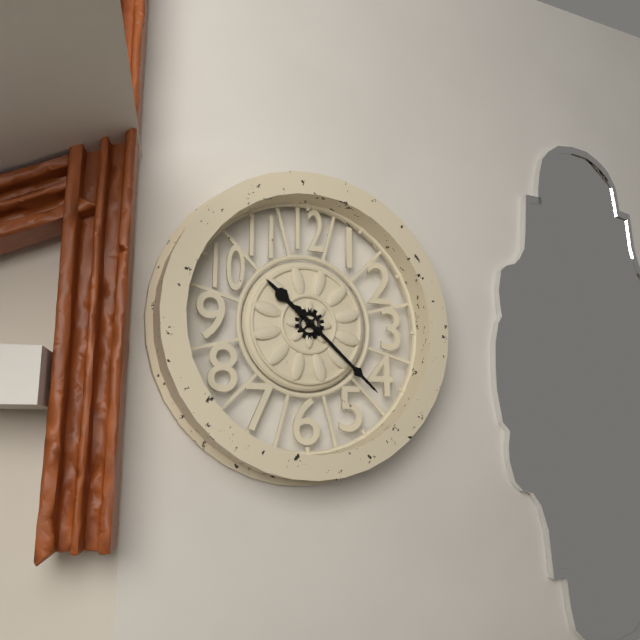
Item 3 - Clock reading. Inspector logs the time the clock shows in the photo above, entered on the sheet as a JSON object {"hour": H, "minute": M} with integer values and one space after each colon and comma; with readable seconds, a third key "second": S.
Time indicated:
{"hour": 10, "minute": 22}
